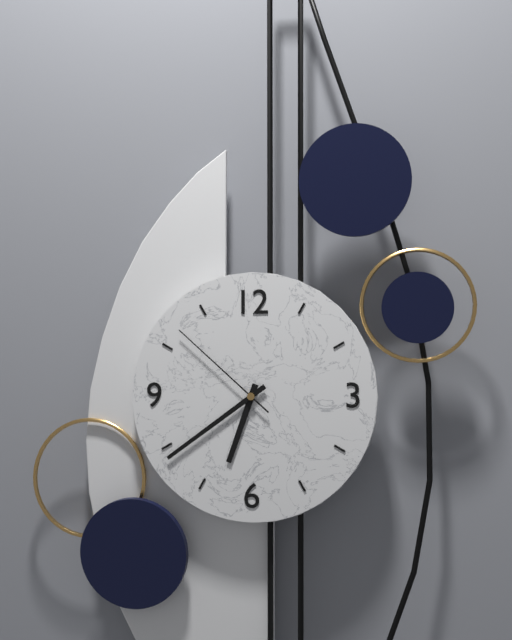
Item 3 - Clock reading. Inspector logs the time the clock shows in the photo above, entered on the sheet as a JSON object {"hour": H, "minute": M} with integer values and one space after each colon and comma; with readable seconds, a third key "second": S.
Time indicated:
{"hour": 6, "minute": 39, "second": 52}
